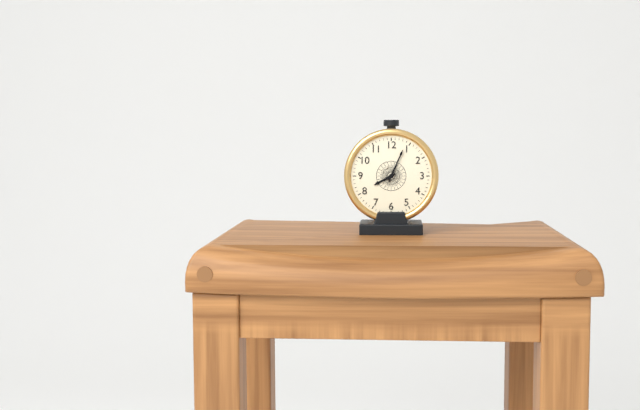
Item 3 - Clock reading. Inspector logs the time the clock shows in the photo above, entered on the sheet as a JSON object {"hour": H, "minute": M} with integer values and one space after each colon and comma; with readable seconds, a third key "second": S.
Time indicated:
{"hour": 8, "minute": 4}
